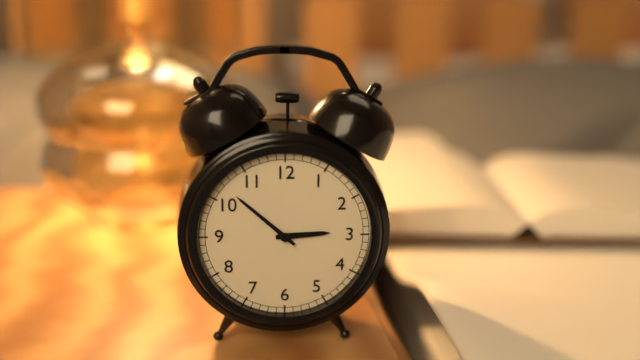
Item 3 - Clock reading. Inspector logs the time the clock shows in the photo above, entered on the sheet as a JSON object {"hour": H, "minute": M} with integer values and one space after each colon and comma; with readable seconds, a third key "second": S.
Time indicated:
{"hour": 2, "minute": 52}
